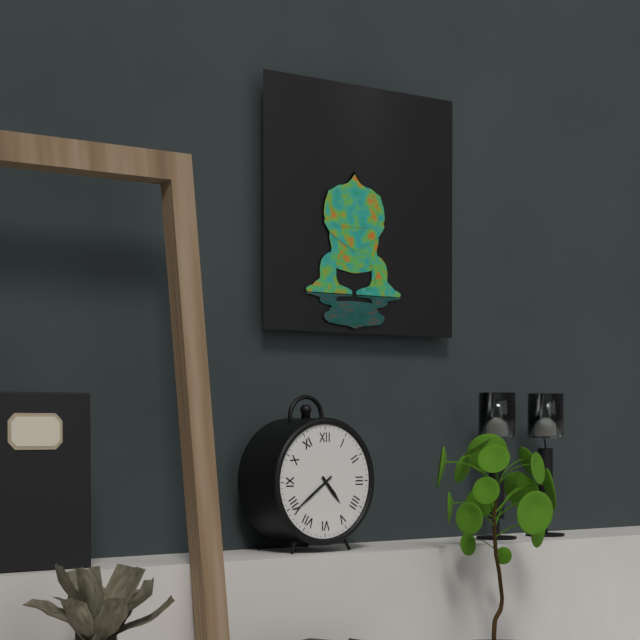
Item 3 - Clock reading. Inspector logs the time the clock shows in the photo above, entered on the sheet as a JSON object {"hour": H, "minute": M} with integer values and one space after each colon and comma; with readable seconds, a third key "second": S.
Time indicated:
{"hour": 4, "minute": 39}
